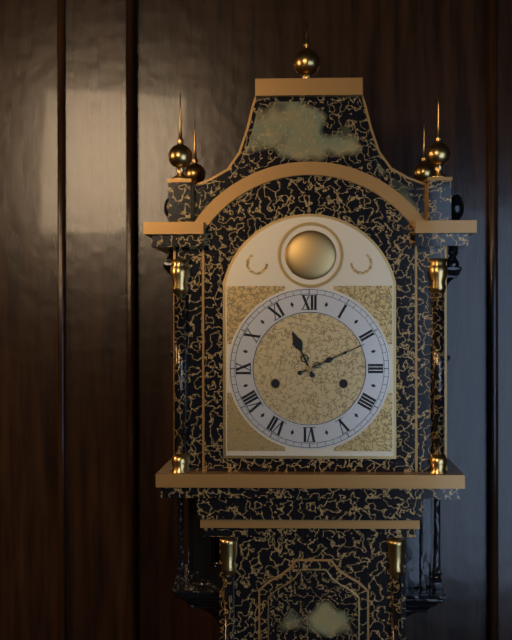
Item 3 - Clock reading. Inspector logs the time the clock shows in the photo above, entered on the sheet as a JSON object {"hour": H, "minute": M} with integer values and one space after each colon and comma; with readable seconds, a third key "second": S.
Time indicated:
{"hour": 11, "minute": 11}
